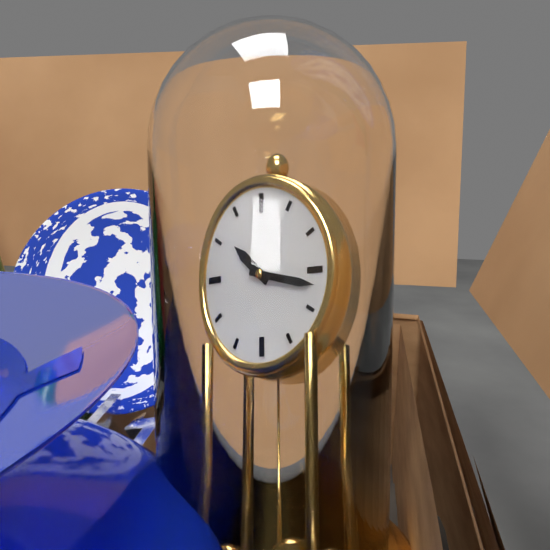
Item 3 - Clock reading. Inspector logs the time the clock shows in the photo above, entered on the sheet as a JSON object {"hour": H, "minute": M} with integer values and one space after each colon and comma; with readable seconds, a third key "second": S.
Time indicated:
{"hour": 10, "minute": 17}
